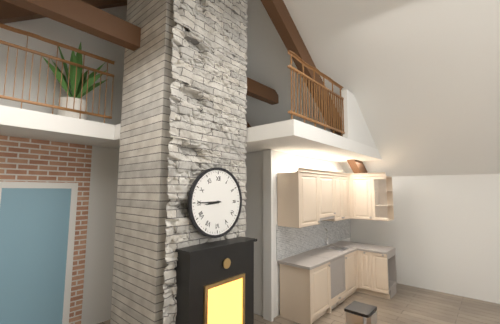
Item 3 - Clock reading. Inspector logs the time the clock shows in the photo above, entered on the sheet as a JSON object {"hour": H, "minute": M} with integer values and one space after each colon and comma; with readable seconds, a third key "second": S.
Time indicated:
{"hour": 8, "minute": 45}
